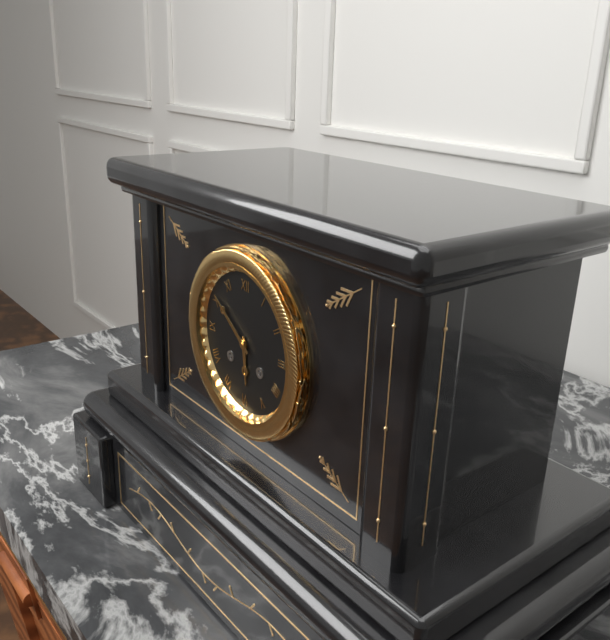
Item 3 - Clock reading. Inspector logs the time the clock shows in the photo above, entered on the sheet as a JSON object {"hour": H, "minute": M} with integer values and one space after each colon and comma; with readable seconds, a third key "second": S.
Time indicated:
{"hour": 5, "minute": 51}
